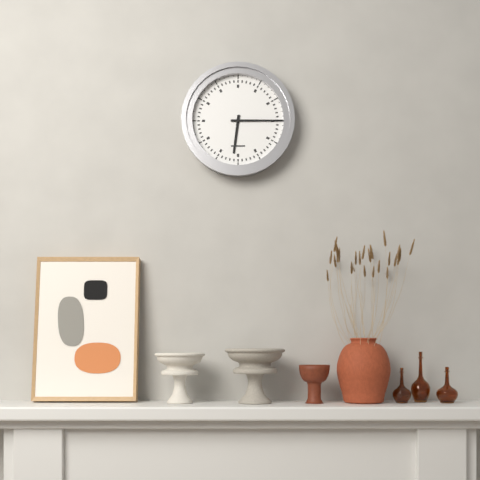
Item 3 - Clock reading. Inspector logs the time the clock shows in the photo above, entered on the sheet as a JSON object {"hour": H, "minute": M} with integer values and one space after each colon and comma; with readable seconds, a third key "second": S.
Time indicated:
{"hour": 6, "minute": 15}
